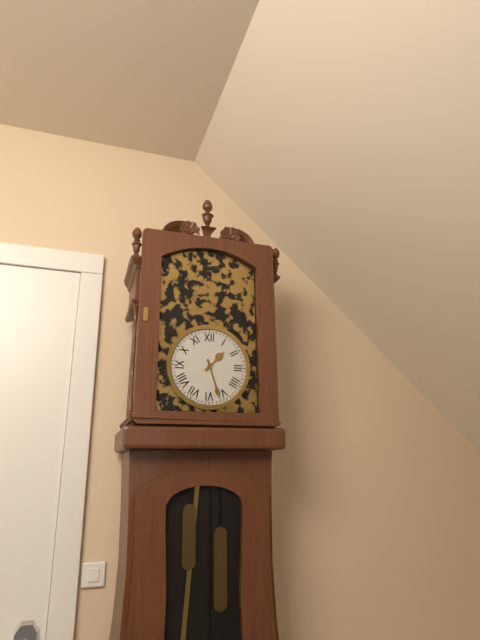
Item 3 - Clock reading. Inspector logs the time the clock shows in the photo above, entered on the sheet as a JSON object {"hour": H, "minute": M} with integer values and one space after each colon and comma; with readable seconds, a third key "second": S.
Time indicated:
{"hour": 1, "minute": 27}
